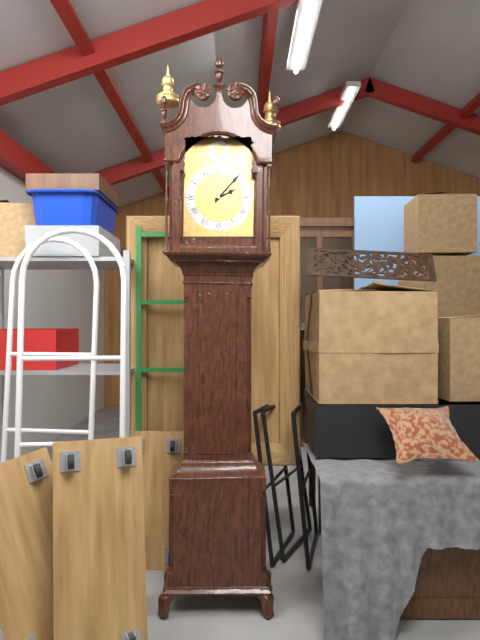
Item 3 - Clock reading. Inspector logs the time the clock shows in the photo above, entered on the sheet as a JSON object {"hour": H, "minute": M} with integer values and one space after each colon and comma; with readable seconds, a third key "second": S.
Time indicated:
{"hour": 2, "minute": 7}
